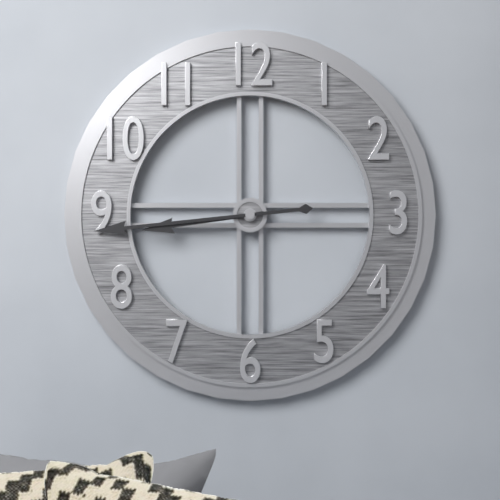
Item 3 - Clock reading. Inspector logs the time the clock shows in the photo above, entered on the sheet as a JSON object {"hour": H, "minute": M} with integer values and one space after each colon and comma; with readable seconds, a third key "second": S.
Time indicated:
{"hour": 8, "minute": 44}
